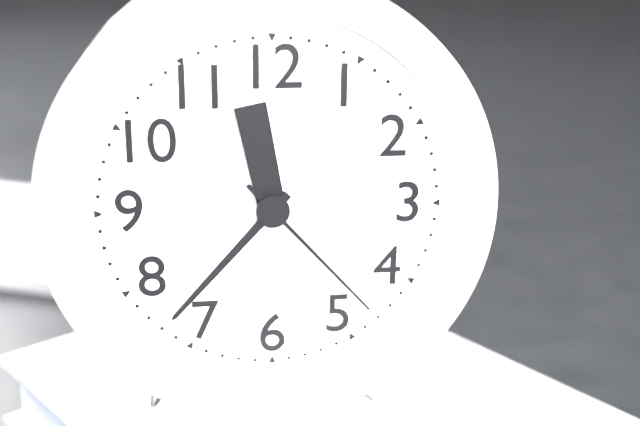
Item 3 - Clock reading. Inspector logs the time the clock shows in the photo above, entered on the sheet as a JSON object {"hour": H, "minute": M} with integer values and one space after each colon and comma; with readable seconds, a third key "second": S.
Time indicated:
{"hour": 11, "minute": 37, "second": 23}
